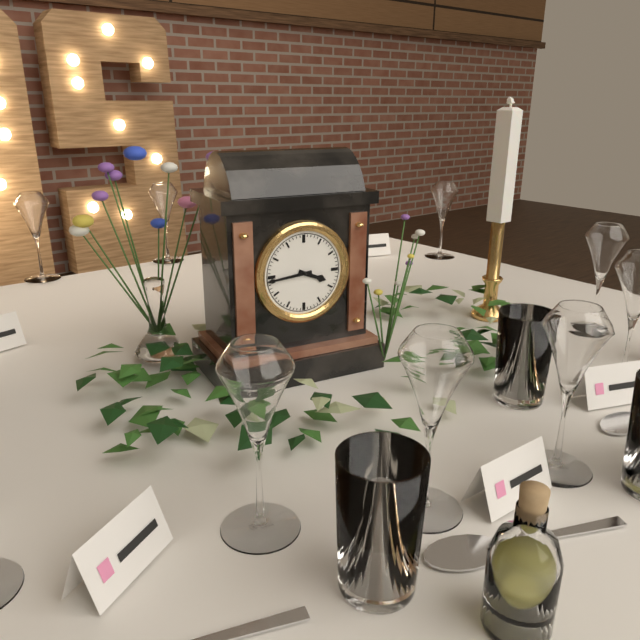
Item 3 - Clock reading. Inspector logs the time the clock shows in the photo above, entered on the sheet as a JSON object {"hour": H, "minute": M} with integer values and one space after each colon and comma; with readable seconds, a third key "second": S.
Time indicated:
{"hour": 3, "minute": 44}
